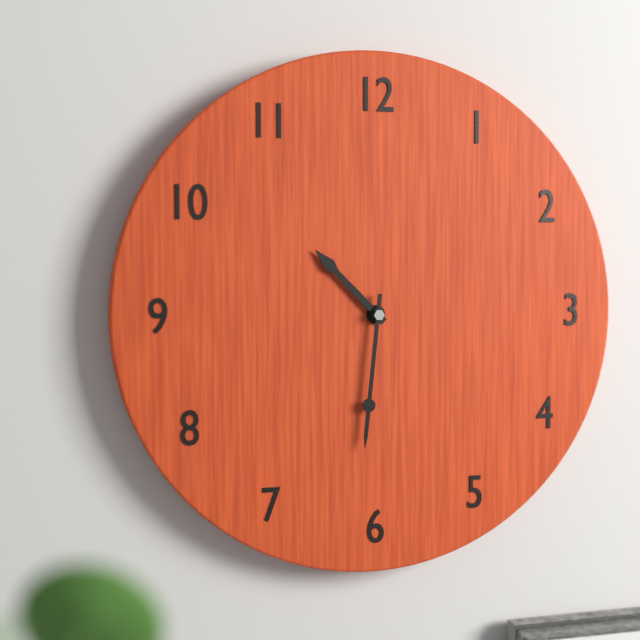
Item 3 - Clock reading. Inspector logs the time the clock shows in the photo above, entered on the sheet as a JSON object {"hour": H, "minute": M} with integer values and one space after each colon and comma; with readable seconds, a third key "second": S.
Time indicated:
{"hour": 10, "minute": 31}
